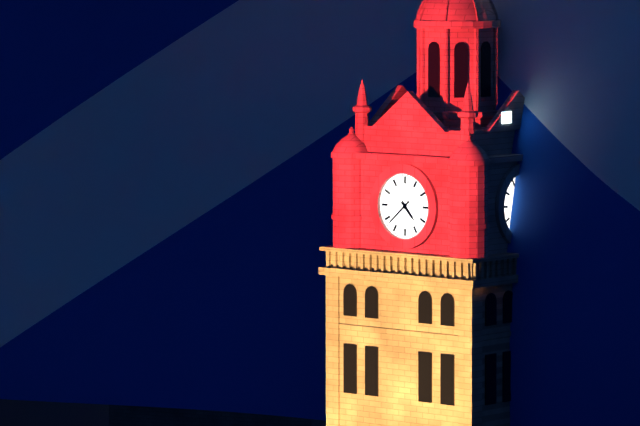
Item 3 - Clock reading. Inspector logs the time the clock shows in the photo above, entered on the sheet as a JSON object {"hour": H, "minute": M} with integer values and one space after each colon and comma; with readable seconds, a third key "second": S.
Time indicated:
{"hour": 4, "minute": 38}
